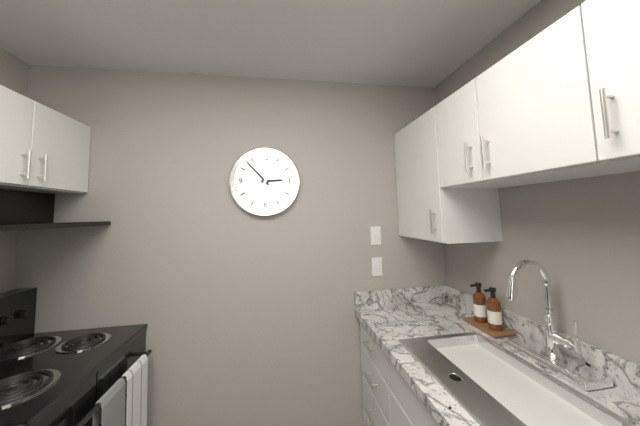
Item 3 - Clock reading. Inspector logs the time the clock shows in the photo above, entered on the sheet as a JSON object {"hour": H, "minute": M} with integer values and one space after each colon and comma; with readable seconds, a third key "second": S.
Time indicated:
{"hour": 2, "minute": 53}
